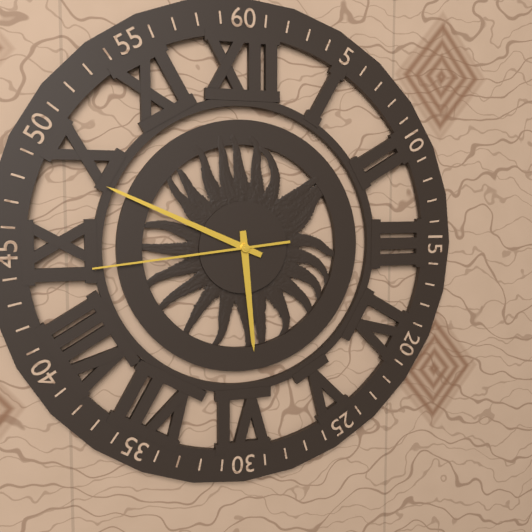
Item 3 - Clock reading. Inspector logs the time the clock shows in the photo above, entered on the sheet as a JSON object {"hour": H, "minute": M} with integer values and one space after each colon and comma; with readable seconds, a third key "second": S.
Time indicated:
{"hour": 5, "minute": 49, "second": 44}
